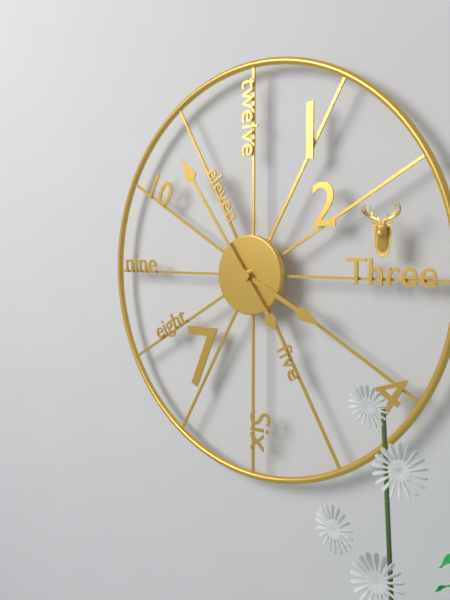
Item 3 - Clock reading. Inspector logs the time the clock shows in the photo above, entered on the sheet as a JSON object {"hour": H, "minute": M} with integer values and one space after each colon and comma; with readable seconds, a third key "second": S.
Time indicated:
{"hour": 3, "minute": 54}
